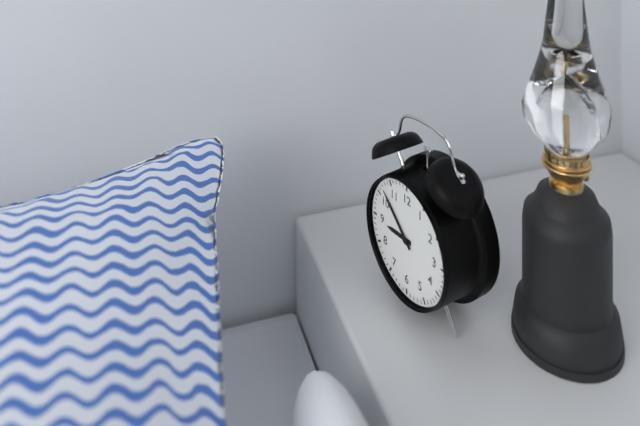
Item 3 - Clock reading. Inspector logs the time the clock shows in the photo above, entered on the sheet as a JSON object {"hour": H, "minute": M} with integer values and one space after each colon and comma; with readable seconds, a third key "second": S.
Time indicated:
{"hour": 8, "minute": 52}
